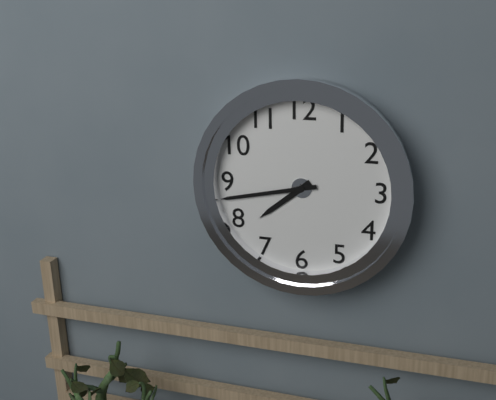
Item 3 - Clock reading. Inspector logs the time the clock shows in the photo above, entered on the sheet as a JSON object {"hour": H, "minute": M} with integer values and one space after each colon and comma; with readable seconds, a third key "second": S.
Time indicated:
{"hour": 7, "minute": 43}
